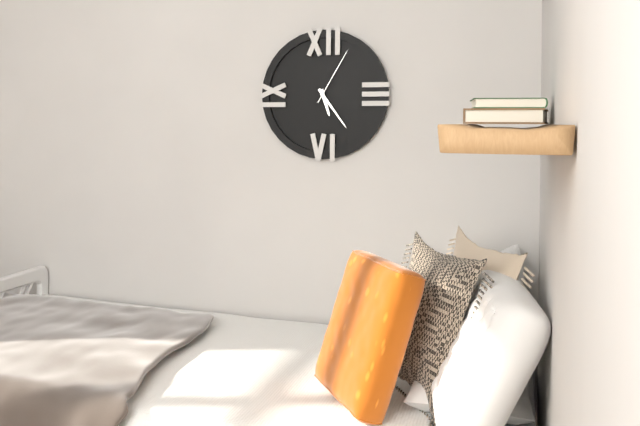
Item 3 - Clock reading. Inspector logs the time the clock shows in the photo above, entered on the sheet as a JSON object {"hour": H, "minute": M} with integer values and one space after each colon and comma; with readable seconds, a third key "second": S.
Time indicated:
{"hour": 5, "minute": 24, "second": 5}
